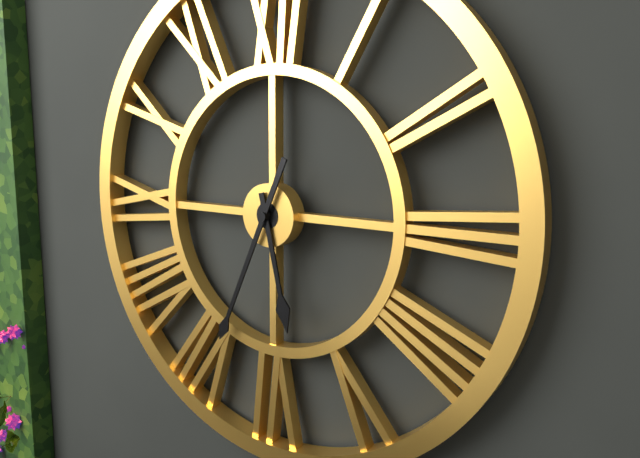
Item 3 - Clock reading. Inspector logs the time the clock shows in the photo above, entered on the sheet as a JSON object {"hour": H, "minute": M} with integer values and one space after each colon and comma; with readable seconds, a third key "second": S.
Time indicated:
{"hour": 5, "minute": 34}
